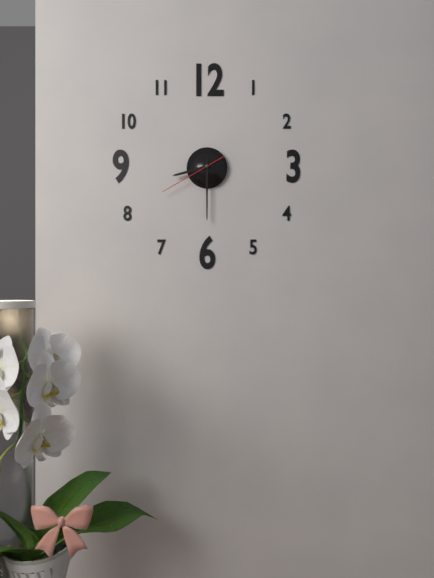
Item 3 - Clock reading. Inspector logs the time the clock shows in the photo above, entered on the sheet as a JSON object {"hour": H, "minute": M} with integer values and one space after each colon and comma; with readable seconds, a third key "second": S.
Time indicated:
{"hour": 8, "minute": 30, "second": 40}
